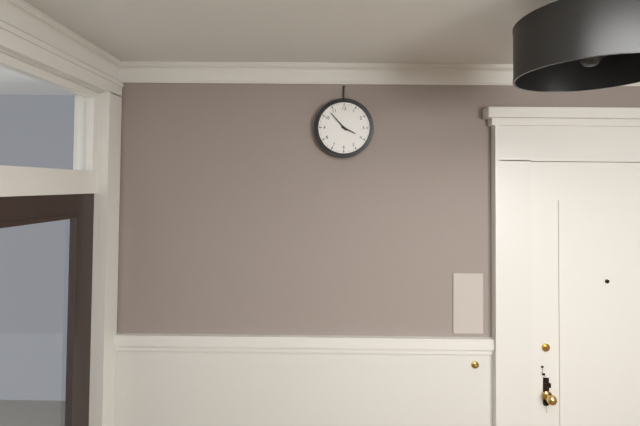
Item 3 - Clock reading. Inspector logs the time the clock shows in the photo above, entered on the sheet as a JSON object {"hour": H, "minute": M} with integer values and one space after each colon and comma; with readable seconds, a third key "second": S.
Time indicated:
{"hour": 3, "minute": 53}
